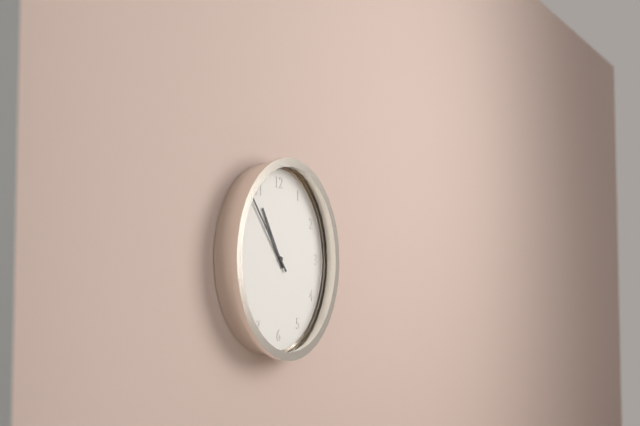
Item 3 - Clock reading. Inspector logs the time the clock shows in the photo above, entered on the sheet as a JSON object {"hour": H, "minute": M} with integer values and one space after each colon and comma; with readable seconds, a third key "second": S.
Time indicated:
{"hour": 10, "minute": 53}
